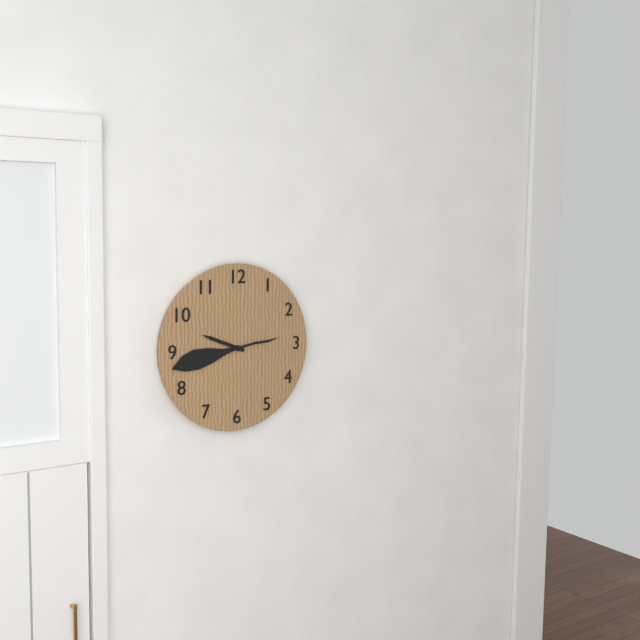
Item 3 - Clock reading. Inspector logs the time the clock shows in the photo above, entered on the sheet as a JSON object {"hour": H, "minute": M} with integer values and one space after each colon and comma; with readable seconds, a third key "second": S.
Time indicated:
{"hour": 9, "minute": 43}
